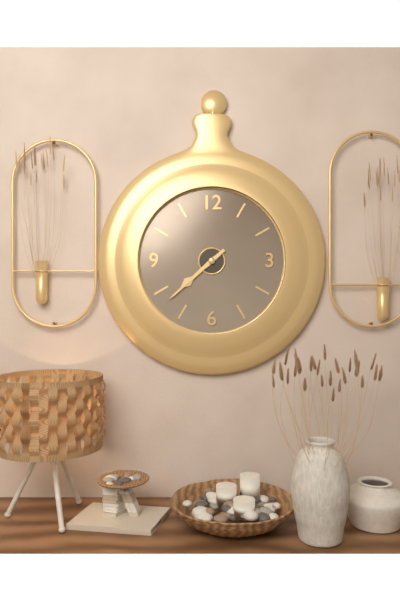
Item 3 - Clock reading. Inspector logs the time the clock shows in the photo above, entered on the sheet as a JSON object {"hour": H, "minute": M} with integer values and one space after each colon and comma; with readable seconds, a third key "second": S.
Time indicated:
{"hour": 7, "minute": 38}
